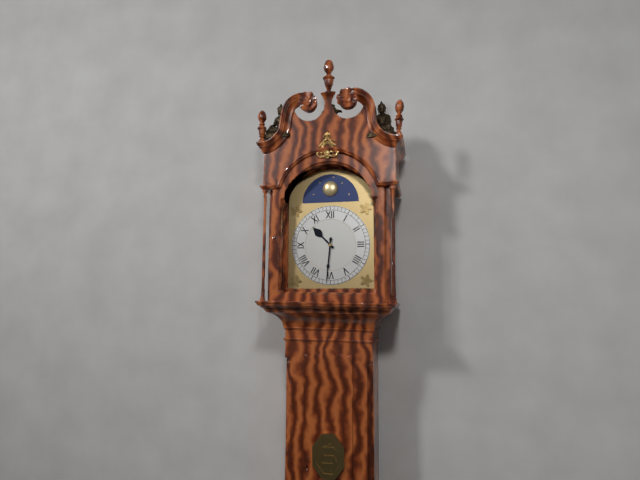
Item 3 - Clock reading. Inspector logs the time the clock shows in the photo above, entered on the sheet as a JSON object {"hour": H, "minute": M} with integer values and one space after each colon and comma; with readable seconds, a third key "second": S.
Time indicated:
{"hour": 10, "minute": 31}
